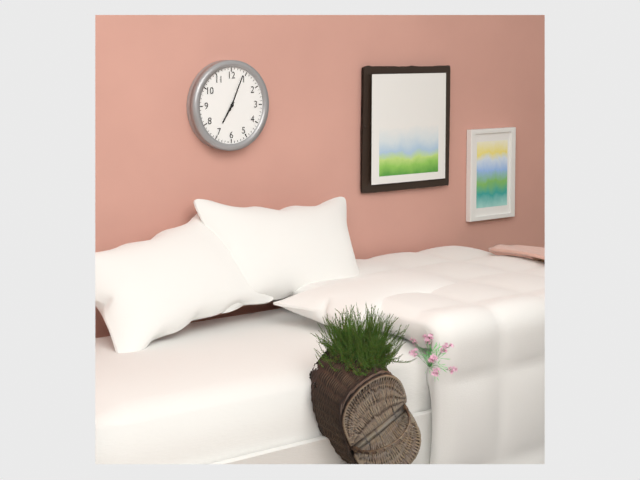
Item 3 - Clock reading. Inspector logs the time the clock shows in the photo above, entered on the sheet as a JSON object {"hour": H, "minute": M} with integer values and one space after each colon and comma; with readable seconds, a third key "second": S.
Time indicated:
{"hour": 7, "minute": 4}
